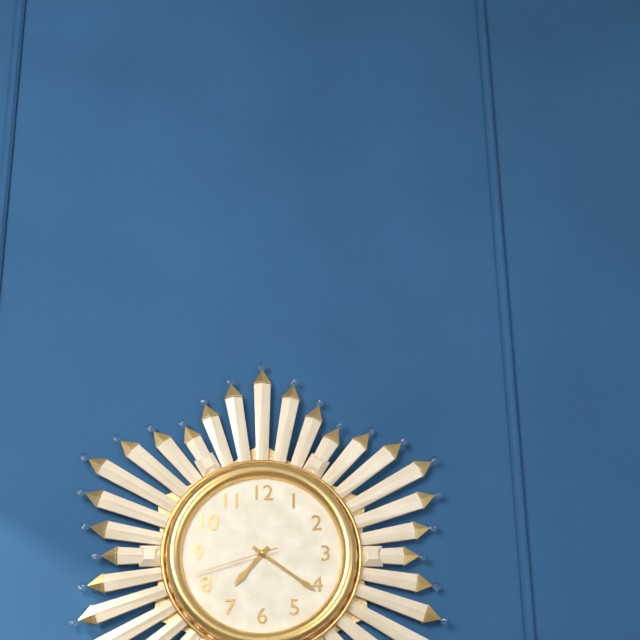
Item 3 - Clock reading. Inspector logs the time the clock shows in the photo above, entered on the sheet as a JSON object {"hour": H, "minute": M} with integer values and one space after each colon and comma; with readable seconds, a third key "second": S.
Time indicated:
{"hour": 7, "minute": 21, "second": 42}
